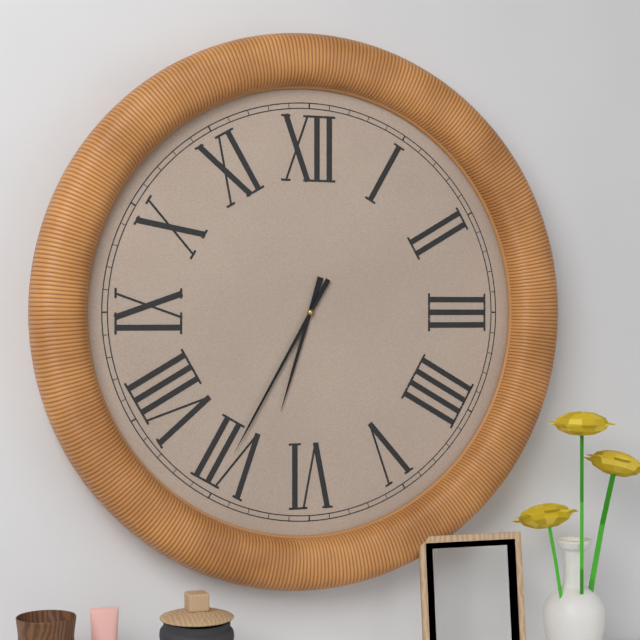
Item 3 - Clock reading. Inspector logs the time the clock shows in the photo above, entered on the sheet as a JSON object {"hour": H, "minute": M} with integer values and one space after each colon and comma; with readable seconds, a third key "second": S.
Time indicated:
{"hour": 6, "minute": 35}
